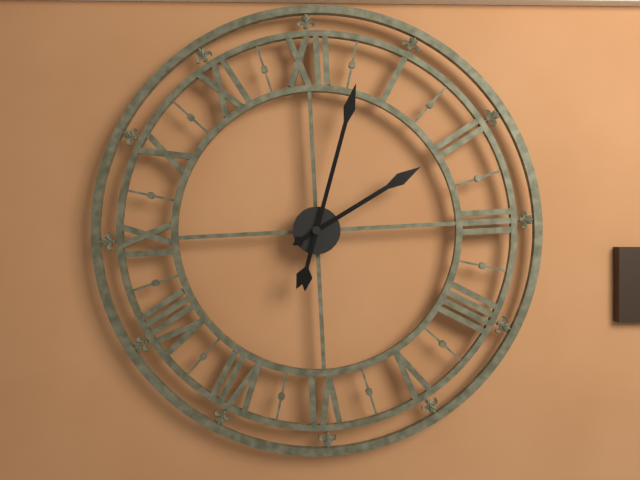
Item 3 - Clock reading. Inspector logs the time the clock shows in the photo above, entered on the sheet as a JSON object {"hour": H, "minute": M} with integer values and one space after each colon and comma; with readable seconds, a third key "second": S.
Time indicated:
{"hour": 2, "minute": 3}
